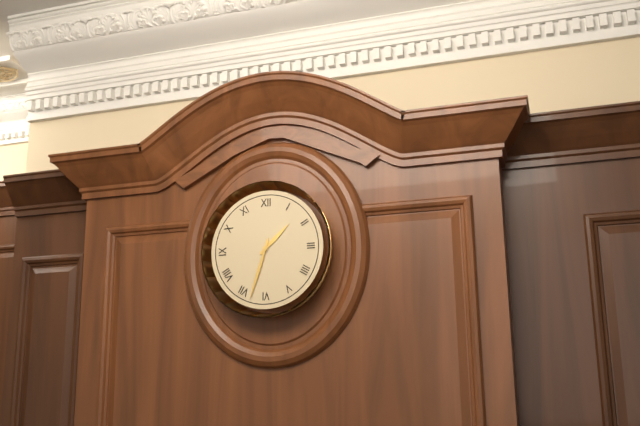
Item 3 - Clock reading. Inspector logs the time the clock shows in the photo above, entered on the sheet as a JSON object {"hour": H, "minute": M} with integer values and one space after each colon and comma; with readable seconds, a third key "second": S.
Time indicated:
{"hour": 1, "minute": 33}
